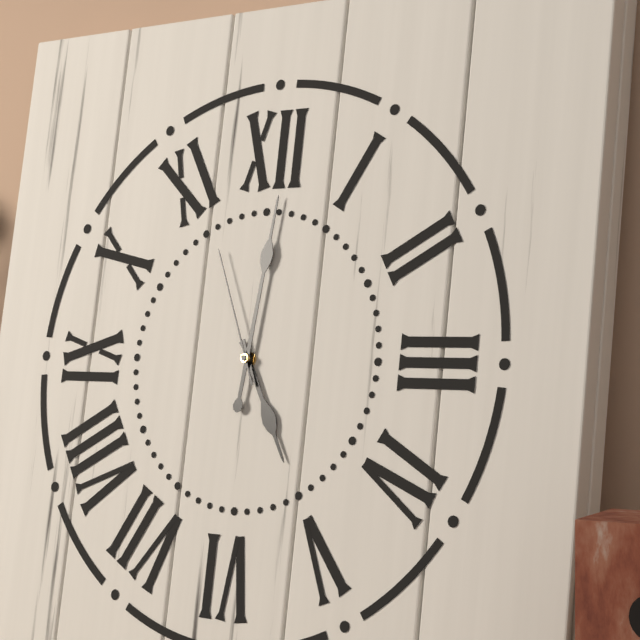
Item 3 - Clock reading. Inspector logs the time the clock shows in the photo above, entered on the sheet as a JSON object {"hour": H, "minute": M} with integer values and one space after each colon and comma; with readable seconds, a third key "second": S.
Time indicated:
{"hour": 5, "minute": 1, "second": 56}
